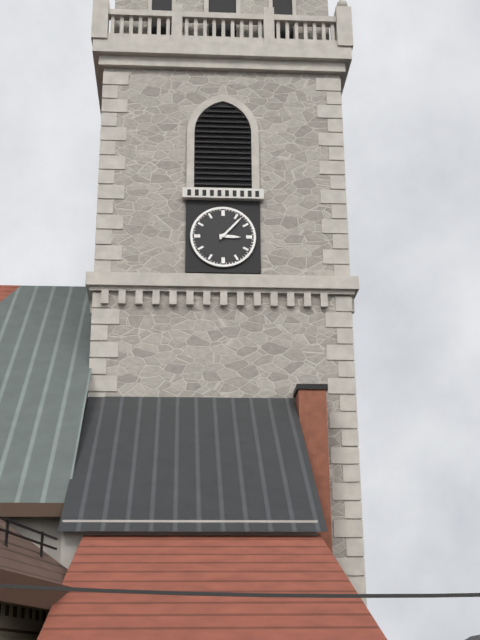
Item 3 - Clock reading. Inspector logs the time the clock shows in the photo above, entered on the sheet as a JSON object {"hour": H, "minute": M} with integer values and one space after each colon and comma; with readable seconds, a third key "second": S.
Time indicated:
{"hour": 3, "minute": 7}
